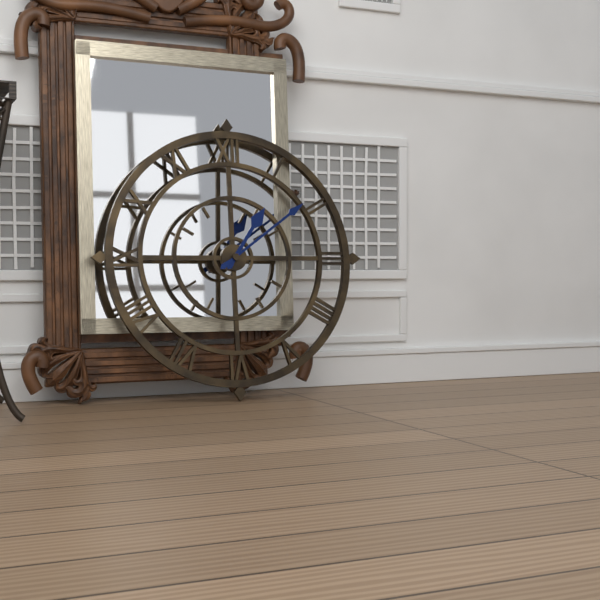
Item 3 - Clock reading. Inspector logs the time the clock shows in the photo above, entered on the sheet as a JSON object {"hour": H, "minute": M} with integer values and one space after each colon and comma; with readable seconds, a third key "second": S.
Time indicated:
{"hour": 1, "minute": 9}
